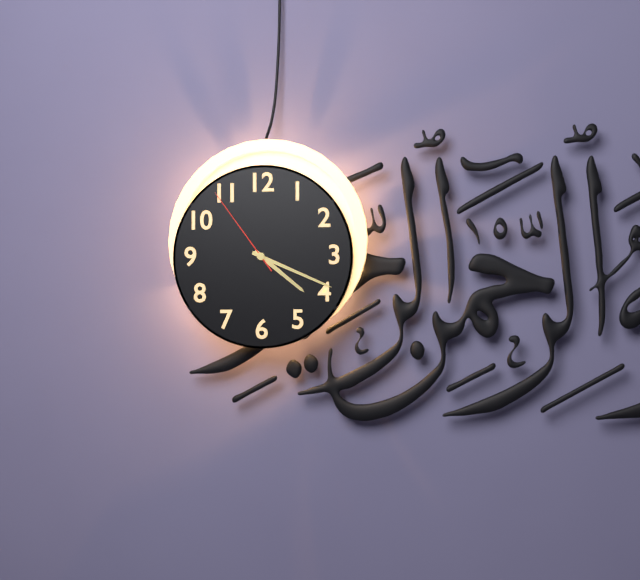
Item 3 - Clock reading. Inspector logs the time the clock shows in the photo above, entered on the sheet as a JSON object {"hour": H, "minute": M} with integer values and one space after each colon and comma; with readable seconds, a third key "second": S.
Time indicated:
{"hour": 4, "minute": 19, "second": 54}
